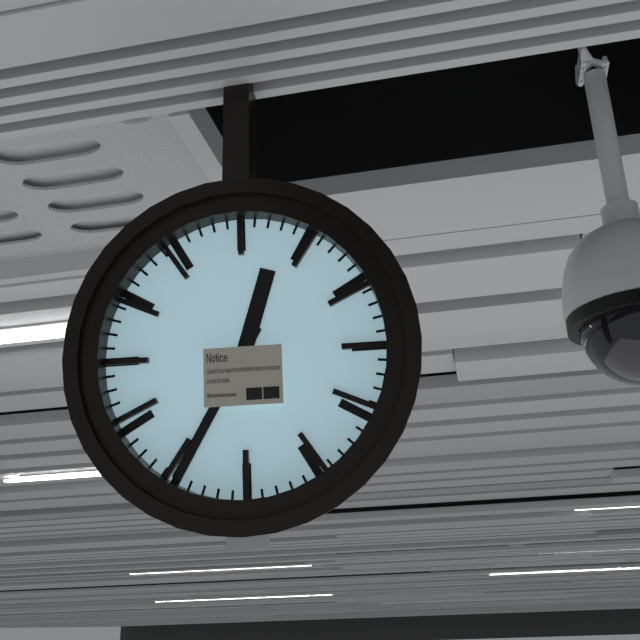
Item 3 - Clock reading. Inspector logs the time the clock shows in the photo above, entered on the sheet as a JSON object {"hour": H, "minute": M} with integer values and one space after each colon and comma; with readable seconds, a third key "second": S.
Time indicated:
{"hour": 12, "minute": 35}
